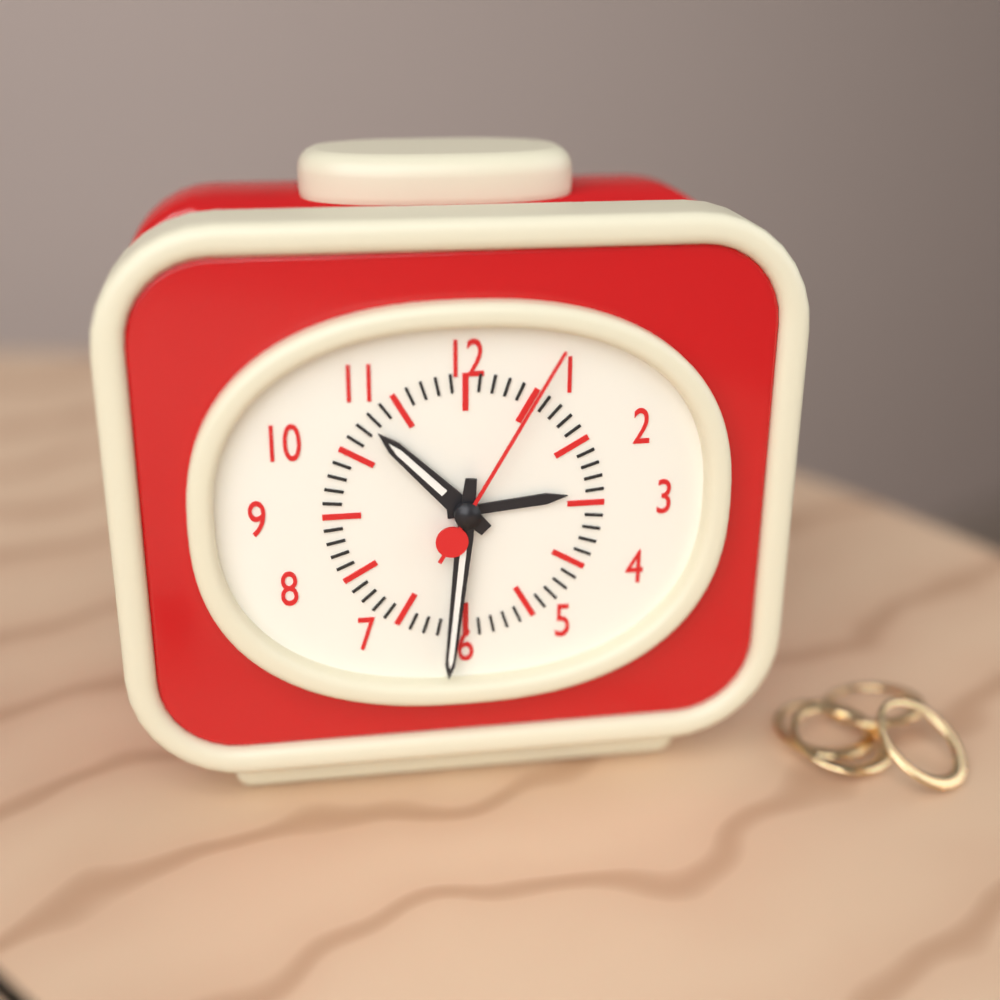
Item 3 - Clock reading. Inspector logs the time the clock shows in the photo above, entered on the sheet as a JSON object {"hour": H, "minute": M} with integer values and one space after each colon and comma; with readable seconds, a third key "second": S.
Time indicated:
{"hour": 10, "minute": 31, "second": 5}
